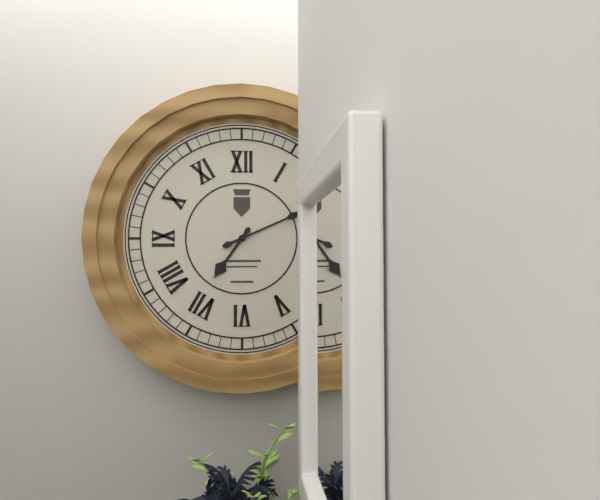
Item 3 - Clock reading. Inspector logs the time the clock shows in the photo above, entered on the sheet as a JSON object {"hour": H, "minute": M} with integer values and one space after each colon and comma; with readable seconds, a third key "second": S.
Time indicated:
{"hour": 7, "minute": 11}
